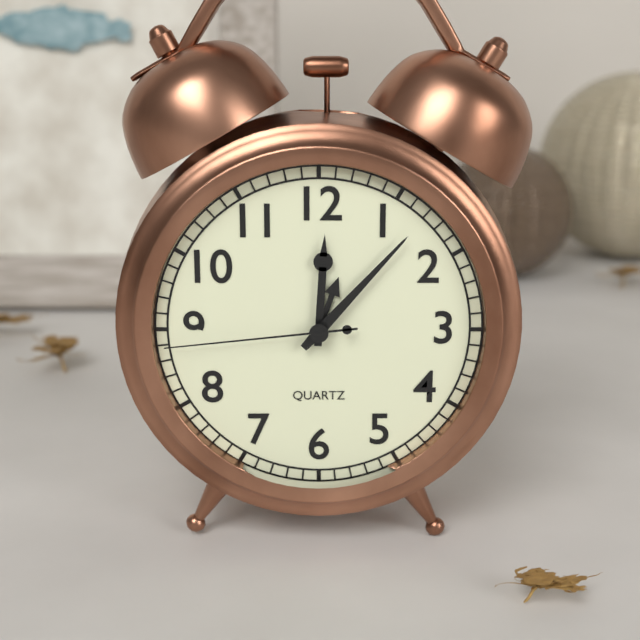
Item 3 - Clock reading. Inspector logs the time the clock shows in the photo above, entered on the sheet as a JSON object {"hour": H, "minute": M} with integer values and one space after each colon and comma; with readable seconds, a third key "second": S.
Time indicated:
{"hour": 12, "minute": 7, "second": 44}
